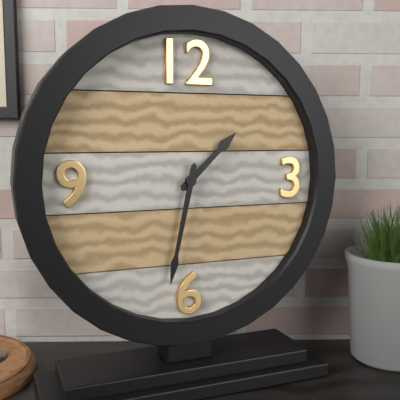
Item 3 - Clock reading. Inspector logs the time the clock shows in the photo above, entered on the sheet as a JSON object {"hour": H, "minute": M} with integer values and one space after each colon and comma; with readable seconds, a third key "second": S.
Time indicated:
{"hour": 1, "minute": 32}
